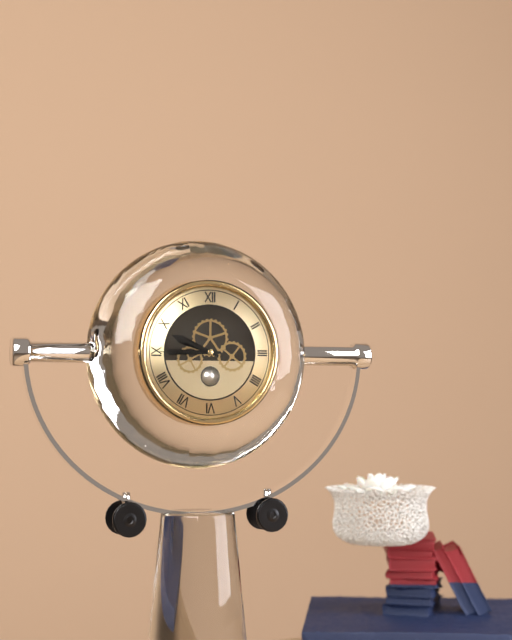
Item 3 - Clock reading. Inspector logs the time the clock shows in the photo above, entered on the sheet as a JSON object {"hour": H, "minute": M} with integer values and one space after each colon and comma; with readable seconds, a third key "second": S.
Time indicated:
{"hour": 9, "minute": 45}
